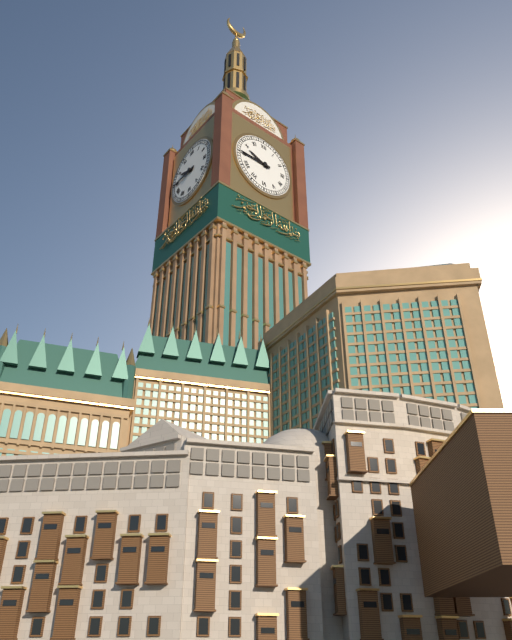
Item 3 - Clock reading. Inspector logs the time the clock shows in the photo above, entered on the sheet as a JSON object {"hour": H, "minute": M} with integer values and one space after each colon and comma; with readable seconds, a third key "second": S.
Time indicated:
{"hour": 9, "minute": 45}
